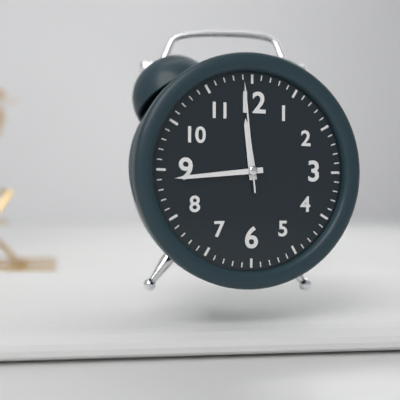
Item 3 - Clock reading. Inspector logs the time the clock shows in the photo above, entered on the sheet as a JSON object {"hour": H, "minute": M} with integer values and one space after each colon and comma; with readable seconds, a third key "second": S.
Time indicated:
{"hour": 11, "minute": 44, "second": 59}
